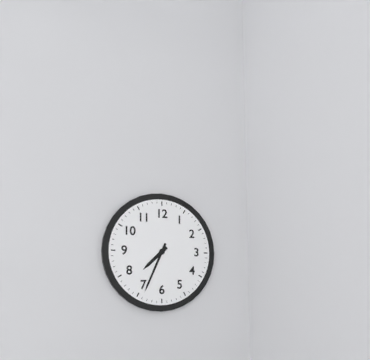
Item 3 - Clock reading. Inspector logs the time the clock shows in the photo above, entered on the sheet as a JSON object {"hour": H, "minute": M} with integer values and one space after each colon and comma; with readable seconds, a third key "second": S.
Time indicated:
{"hour": 7, "minute": 34}
